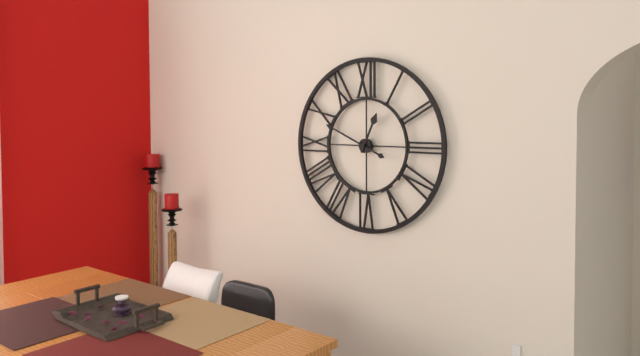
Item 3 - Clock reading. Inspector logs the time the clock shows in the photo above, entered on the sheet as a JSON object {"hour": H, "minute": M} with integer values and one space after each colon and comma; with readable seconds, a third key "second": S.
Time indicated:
{"hour": 12, "minute": 49}
